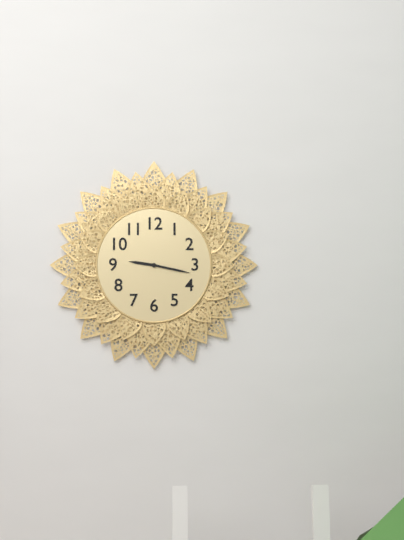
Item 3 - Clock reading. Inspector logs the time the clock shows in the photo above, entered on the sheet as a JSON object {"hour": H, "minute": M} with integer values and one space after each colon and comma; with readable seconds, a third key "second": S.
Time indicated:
{"hour": 9, "minute": 17}
